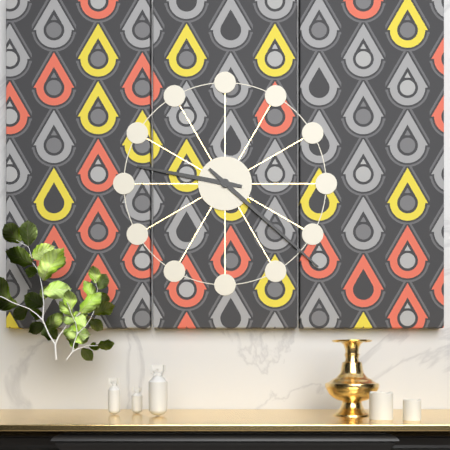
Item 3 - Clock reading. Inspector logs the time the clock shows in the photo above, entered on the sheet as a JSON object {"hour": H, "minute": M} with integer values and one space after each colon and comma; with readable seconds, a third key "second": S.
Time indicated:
{"hour": 9, "minute": 22}
